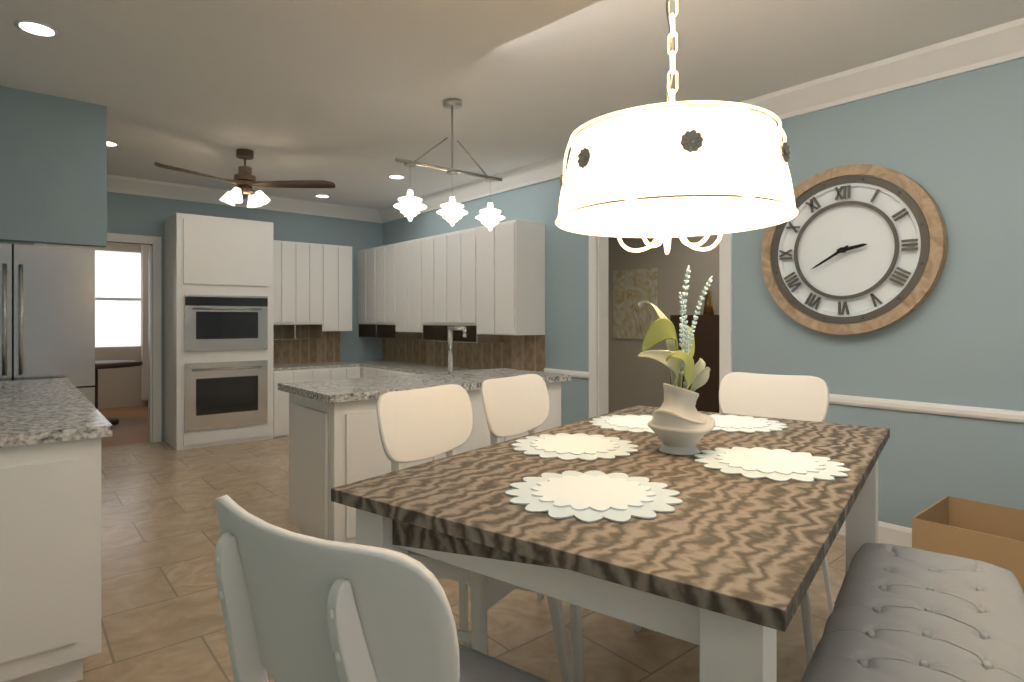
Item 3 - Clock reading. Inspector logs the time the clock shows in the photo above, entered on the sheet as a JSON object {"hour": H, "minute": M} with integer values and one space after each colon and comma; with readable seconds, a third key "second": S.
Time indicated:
{"hour": 2, "minute": 40}
